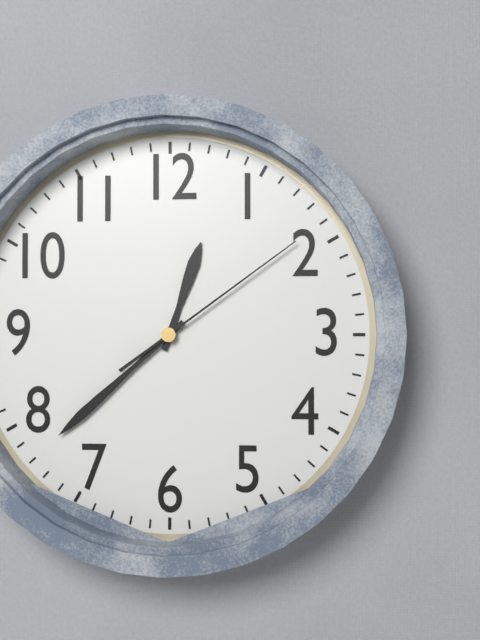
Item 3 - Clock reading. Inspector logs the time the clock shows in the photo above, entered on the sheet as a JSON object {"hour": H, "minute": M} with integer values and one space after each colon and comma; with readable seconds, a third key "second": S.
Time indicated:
{"hour": 12, "minute": 38, "second": 9}
